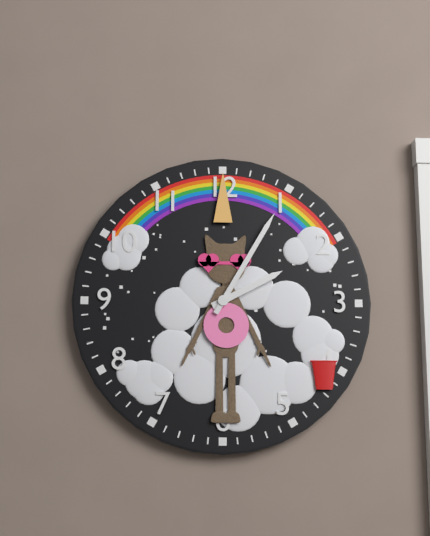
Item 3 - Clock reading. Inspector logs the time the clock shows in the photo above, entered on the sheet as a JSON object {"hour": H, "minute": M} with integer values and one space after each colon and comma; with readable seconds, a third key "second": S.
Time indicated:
{"hour": 2, "minute": 5}
